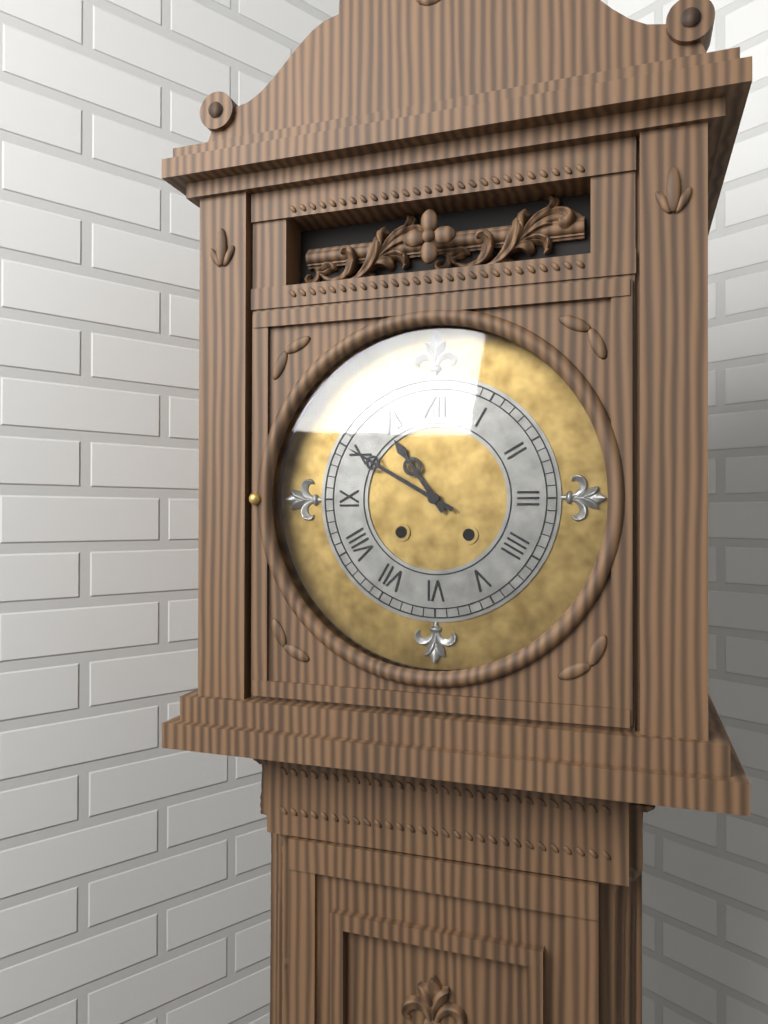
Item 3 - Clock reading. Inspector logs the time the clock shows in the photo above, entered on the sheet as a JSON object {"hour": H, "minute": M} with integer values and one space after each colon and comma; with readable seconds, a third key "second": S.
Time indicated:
{"hour": 10, "minute": 50}
